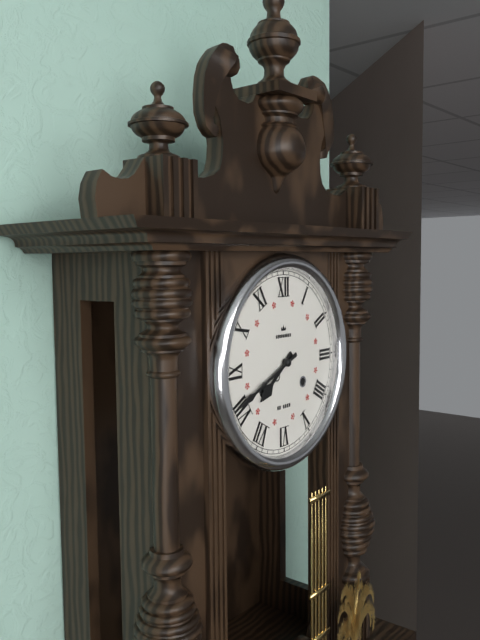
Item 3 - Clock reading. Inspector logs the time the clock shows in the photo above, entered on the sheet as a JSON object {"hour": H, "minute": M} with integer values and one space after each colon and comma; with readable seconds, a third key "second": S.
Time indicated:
{"hour": 7, "minute": 41}
